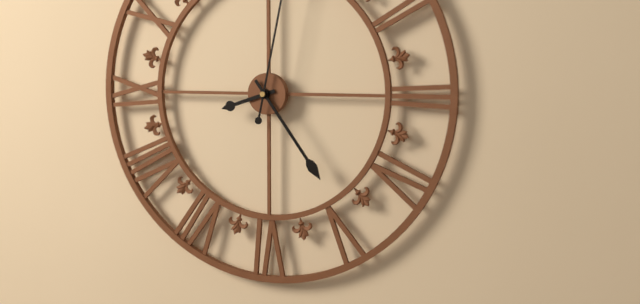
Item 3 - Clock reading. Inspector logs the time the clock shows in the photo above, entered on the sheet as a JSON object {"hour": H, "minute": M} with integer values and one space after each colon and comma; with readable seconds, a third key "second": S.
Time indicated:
{"hour": 8, "minute": 24}
